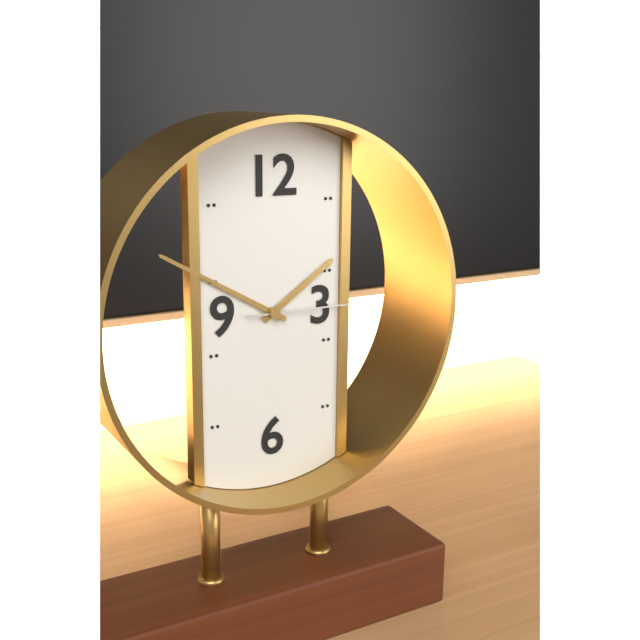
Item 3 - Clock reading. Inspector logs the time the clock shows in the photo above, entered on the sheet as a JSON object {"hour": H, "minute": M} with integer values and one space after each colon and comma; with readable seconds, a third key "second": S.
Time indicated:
{"hour": 1, "minute": 50, "second": 15}
